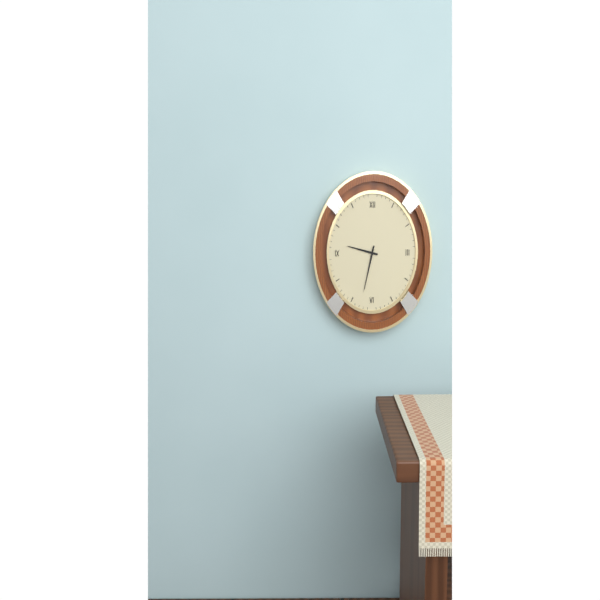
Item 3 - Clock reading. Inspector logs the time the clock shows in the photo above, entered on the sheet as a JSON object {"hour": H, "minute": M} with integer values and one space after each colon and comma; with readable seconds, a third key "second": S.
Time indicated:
{"hour": 9, "minute": 32}
